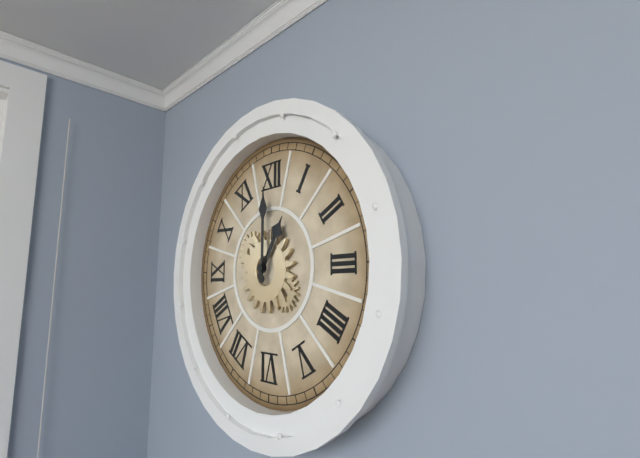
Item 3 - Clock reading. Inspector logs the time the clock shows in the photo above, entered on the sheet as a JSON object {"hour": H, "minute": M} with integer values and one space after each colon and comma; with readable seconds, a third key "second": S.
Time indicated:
{"hour": 1, "minute": 0}
